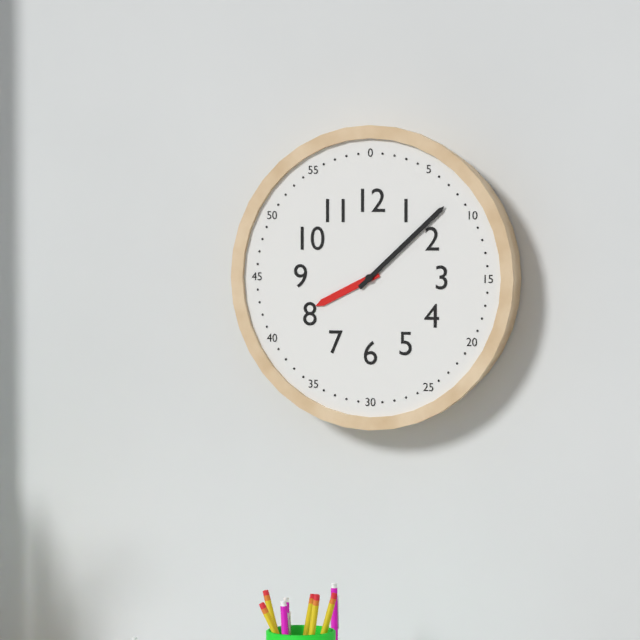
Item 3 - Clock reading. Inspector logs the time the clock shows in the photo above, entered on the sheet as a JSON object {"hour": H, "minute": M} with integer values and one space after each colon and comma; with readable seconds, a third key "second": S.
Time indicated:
{"hour": 8, "minute": 8}
